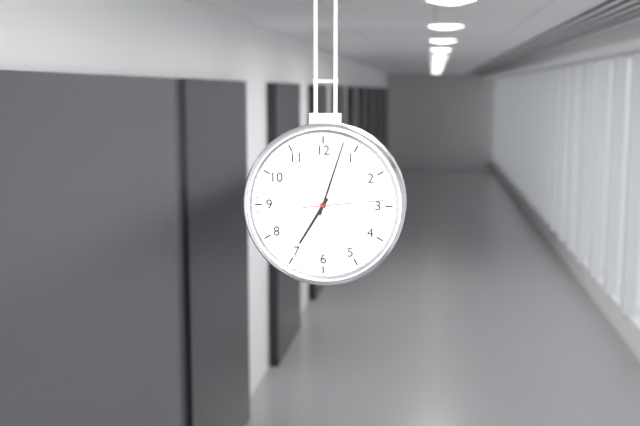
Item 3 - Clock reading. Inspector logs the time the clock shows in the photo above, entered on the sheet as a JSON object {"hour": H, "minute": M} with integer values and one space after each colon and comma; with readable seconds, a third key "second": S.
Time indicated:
{"hour": 7, "minute": 3, "second": 14}
